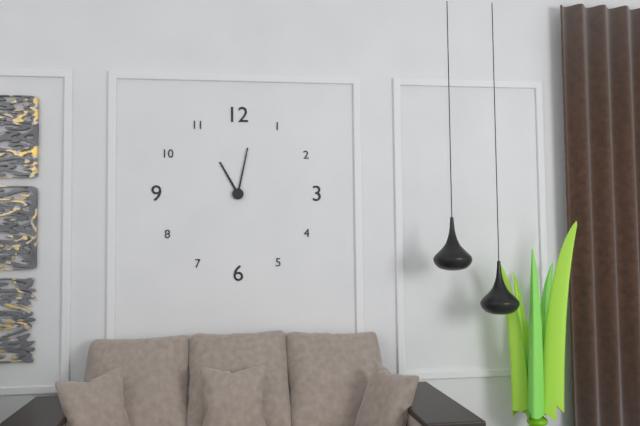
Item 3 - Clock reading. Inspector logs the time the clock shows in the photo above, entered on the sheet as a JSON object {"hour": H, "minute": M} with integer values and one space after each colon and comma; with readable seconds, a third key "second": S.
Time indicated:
{"hour": 11, "minute": 2}
